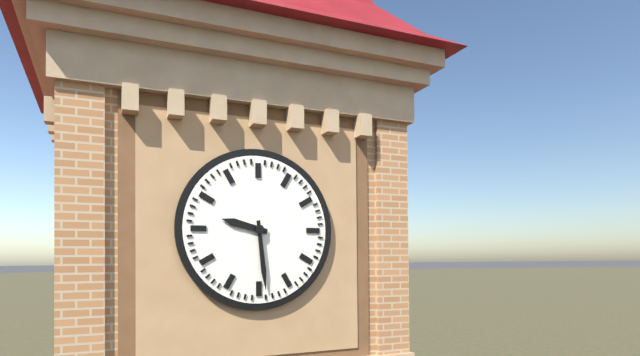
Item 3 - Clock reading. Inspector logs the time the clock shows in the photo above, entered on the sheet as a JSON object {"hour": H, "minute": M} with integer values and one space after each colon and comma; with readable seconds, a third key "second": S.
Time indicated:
{"hour": 9, "minute": 29}
